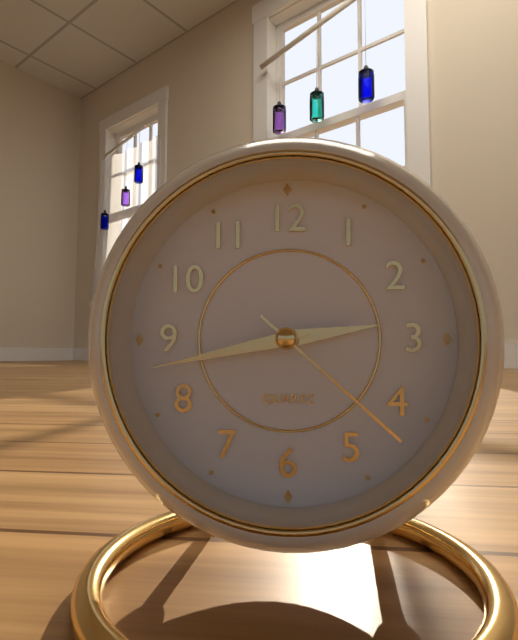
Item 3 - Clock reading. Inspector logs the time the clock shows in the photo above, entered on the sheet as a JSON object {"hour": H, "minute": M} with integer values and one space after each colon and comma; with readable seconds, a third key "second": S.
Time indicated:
{"hour": 2, "minute": 43, "second": 22}
